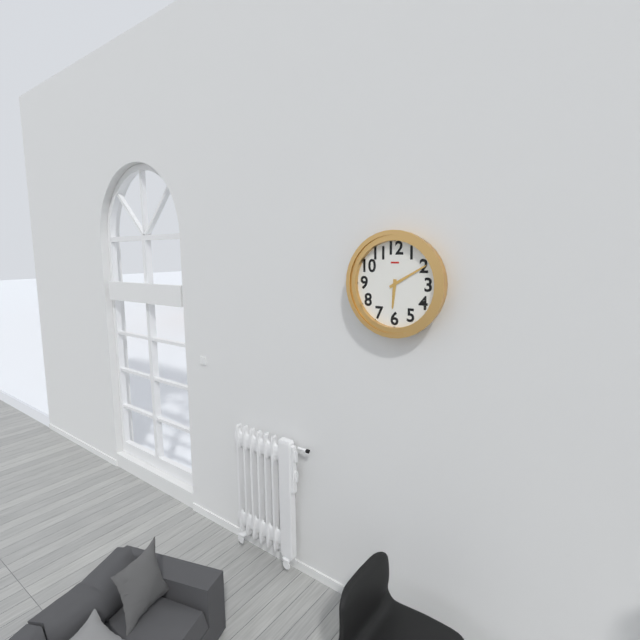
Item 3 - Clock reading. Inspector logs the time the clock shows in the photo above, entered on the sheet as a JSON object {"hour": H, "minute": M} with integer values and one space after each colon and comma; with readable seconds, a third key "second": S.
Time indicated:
{"hour": 6, "minute": 10}
